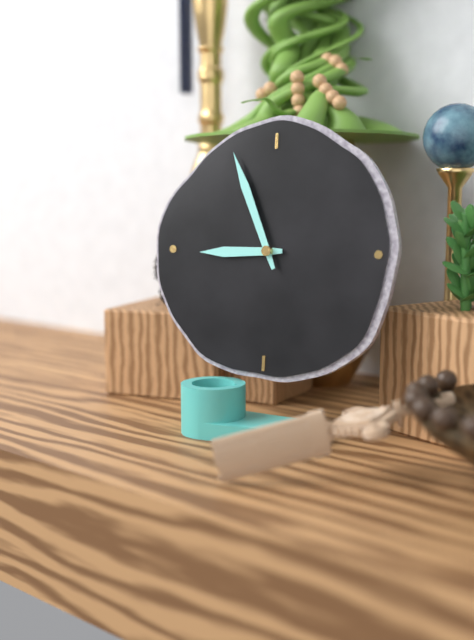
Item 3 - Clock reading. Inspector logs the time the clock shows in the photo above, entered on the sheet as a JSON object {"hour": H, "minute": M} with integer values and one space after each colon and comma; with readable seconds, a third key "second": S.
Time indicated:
{"hour": 8, "minute": 56}
